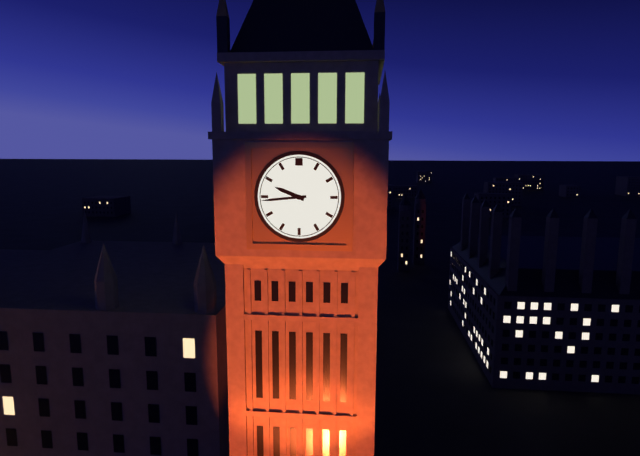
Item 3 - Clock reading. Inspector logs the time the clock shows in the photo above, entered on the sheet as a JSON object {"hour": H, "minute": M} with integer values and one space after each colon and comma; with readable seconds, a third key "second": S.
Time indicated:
{"hour": 9, "minute": 44}
